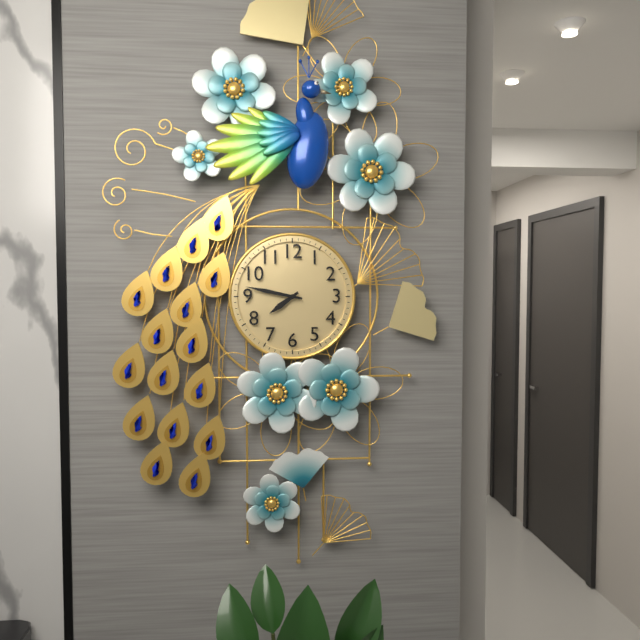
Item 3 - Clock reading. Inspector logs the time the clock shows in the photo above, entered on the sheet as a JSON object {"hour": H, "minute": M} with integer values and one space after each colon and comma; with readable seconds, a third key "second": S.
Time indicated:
{"hour": 7, "minute": 47}
